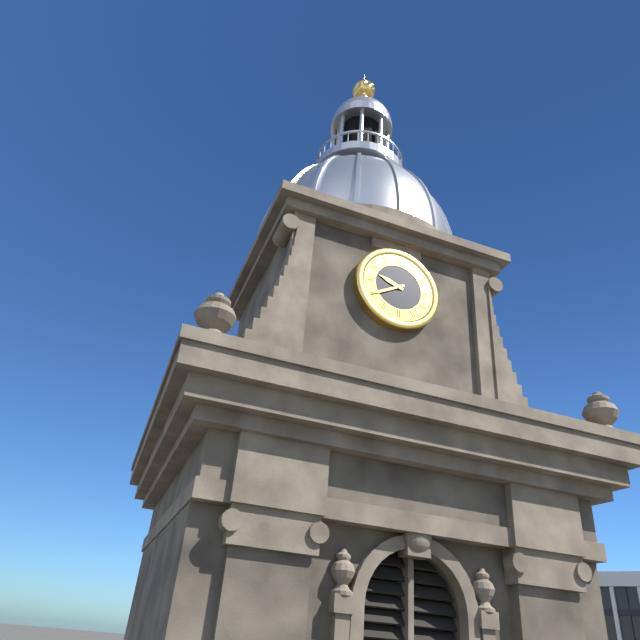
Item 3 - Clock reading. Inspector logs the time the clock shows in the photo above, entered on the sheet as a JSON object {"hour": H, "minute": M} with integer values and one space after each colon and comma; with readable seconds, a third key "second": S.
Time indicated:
{"hour": 9, "minute": 40}
